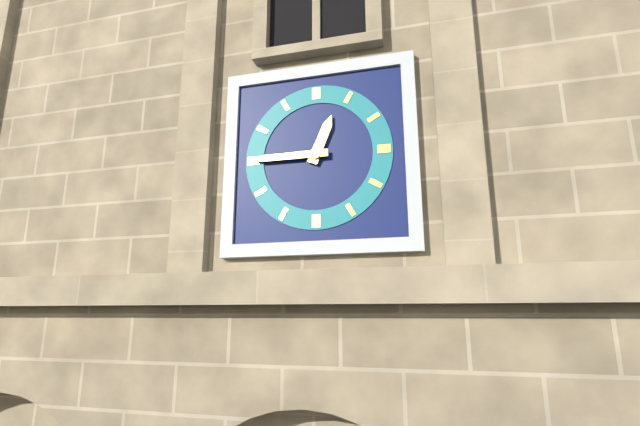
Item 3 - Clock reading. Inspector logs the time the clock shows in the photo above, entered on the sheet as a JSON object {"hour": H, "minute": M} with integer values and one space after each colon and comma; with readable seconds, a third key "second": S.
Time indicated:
{"hour": 12, "minute": 45}
